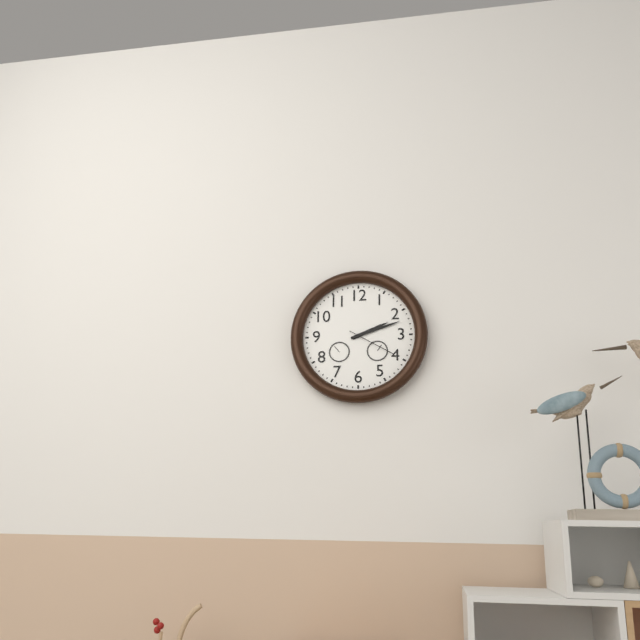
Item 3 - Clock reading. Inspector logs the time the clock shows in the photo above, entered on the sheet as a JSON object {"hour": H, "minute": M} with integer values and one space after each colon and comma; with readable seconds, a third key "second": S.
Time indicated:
{"hour": 2, "minute": 12}
